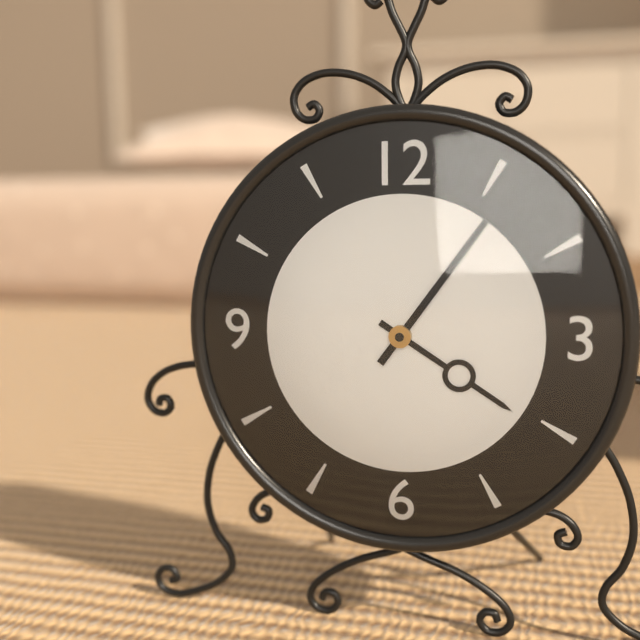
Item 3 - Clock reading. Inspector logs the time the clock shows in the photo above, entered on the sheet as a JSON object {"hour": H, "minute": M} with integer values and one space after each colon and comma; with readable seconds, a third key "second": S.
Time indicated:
{"hour": 4, "minute": 6}
